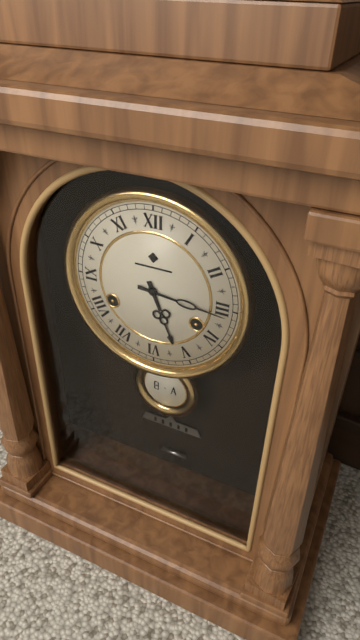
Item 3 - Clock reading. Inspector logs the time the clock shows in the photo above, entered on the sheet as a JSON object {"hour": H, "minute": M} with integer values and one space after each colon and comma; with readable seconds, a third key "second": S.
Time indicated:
{"hour": 5, "minute": 16}
